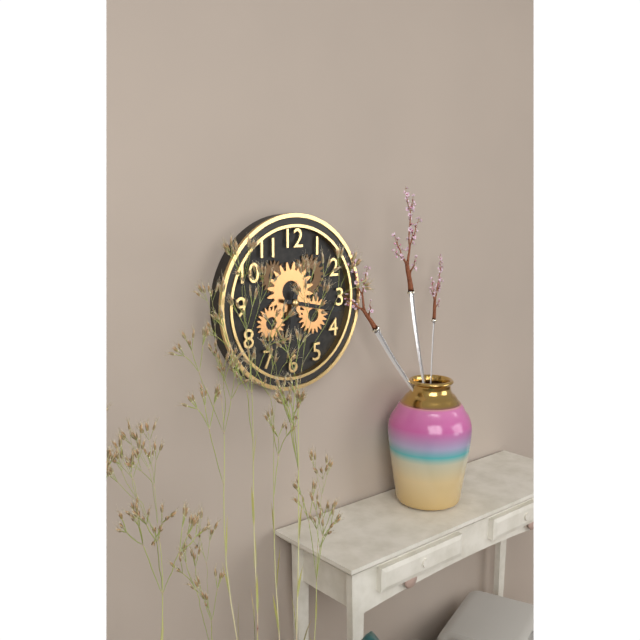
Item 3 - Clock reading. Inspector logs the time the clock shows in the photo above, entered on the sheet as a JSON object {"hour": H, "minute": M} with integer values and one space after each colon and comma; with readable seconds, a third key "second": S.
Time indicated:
{"hour": 6, "minute": 17}
